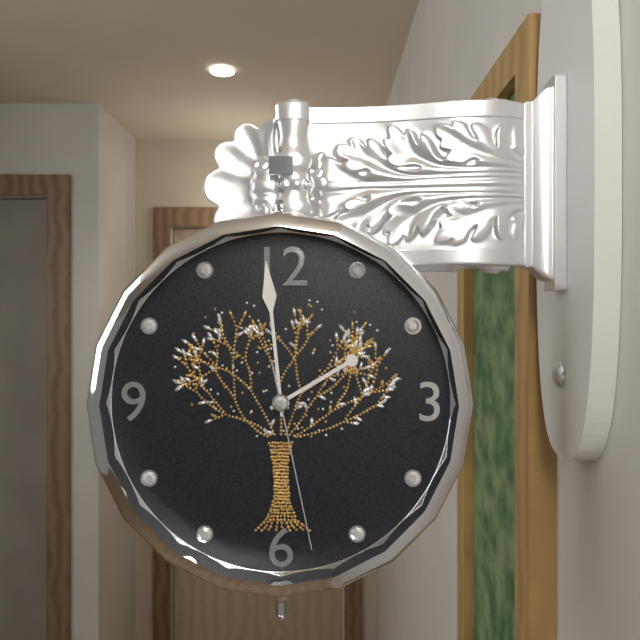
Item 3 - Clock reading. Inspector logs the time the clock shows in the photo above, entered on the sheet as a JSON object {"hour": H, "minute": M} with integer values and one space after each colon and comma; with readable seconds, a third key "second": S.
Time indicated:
{"hour": 1, "minute": 59, "second": 28}
